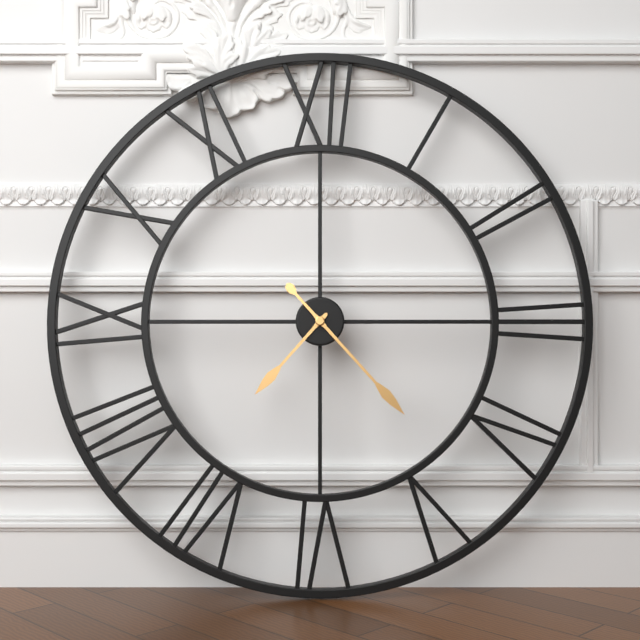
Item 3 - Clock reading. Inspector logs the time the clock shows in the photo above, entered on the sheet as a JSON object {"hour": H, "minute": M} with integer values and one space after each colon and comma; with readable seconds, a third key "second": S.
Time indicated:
{"hour": 7, "minute": 23}
